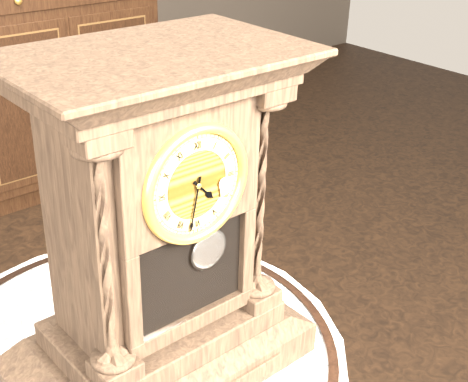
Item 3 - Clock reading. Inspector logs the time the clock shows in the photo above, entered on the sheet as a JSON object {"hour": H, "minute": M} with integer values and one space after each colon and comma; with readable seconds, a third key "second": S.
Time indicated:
{"hour": 4, "minute": 32}
